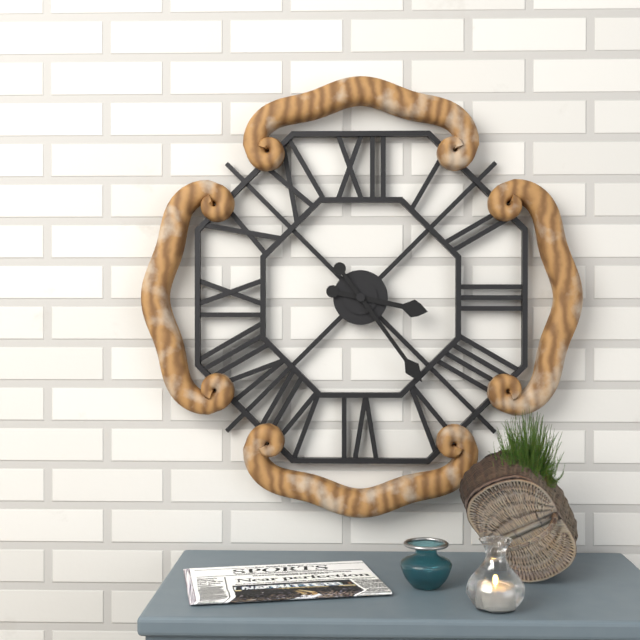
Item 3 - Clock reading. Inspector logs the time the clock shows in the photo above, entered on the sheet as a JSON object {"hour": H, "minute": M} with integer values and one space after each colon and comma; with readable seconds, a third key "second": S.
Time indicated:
{"hour": 3, "minute": 24}
